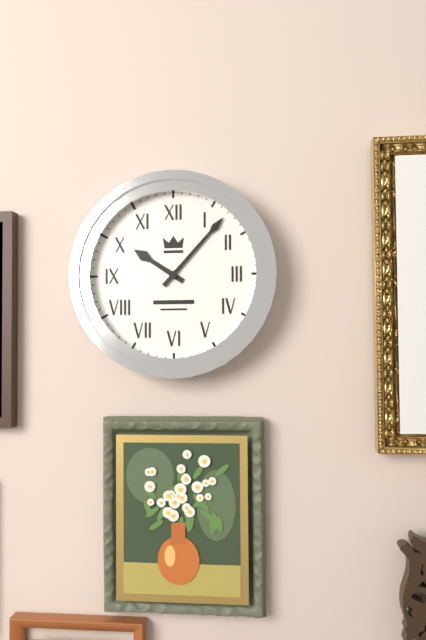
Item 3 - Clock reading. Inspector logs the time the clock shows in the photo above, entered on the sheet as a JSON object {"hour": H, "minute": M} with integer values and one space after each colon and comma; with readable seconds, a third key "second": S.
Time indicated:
{"hour": 10, "minute": 7}
